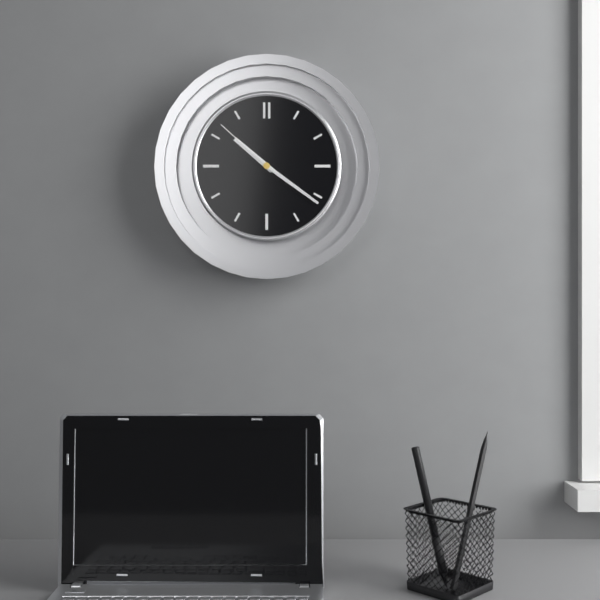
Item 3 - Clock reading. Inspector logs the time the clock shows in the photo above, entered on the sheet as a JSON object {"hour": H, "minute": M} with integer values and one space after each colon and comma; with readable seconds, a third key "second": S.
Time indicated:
{"hour": 10, "minute": 21, "second": 52}
